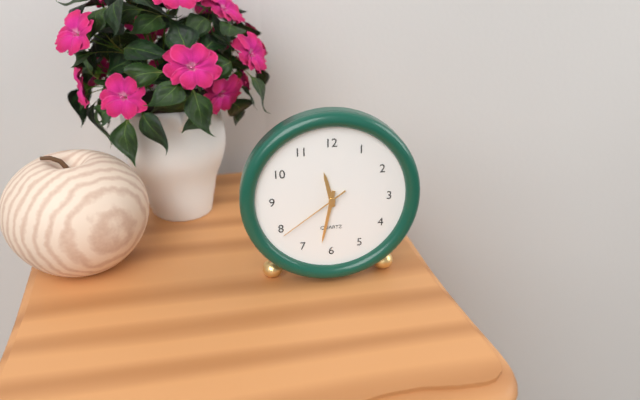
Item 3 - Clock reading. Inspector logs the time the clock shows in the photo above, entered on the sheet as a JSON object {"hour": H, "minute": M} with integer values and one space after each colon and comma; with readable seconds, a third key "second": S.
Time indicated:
{"hour": 11, "minute": 32, "second": 39}
